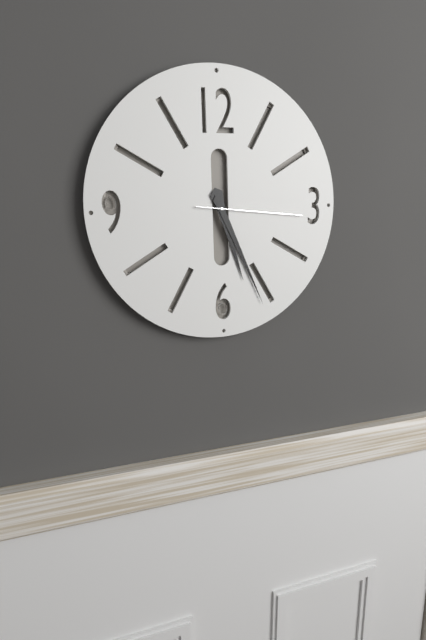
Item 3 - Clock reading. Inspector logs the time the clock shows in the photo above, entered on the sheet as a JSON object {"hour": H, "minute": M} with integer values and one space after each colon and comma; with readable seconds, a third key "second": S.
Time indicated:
{"hour": 5, "minute": 26, "second": 16}
